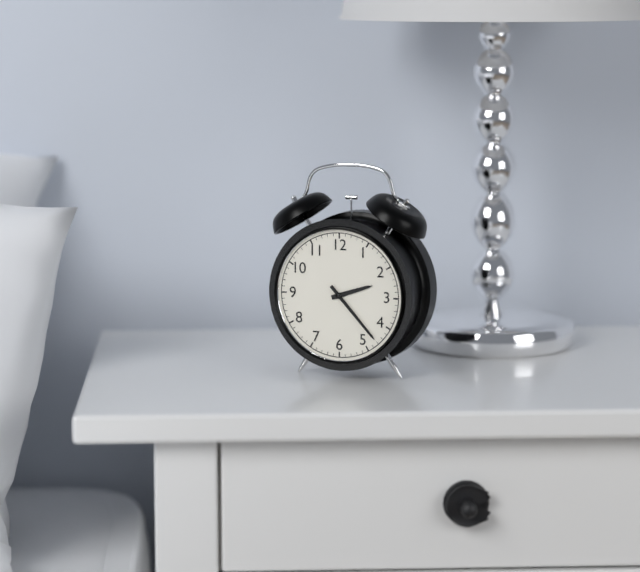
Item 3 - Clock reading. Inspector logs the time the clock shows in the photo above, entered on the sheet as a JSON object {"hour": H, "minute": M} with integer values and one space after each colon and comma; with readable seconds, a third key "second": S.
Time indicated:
{"hour": 2, "minute": 23}
